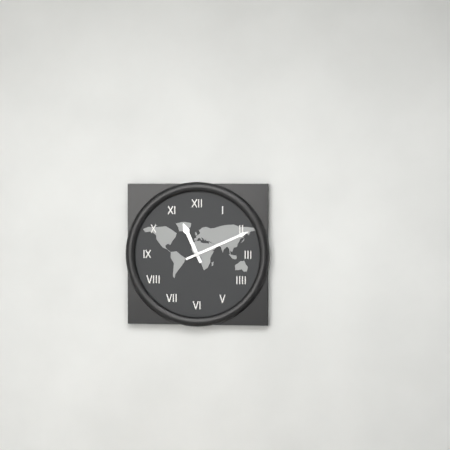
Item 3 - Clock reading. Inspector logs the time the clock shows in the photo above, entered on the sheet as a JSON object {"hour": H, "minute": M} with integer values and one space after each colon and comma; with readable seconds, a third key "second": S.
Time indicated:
{"hour": 11, "minute": 11}
